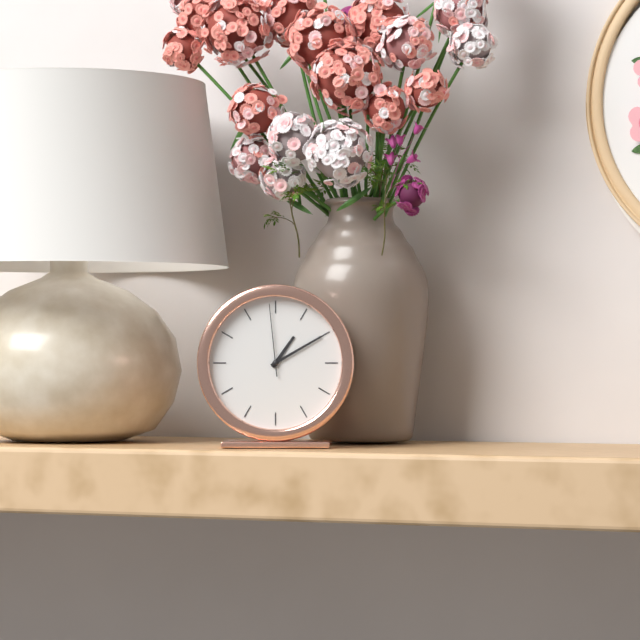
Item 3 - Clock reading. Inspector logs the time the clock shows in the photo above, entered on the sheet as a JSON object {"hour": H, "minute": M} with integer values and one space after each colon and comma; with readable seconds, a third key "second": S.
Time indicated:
{"hour": 1, "minute": 10, "second": 59}
